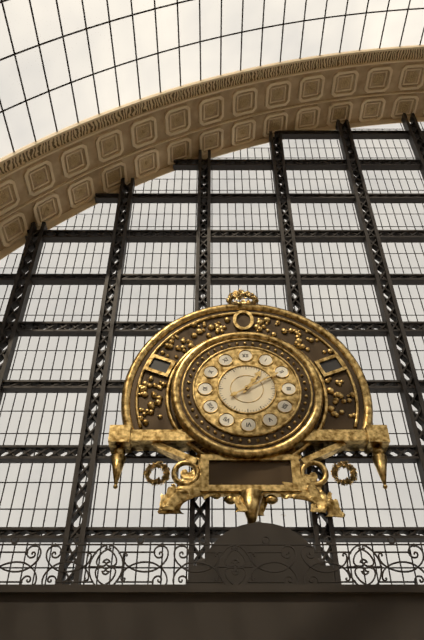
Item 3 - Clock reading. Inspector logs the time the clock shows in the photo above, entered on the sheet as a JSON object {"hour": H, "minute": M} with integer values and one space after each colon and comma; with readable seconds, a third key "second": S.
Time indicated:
{"hour": 1, "minute": 10}
